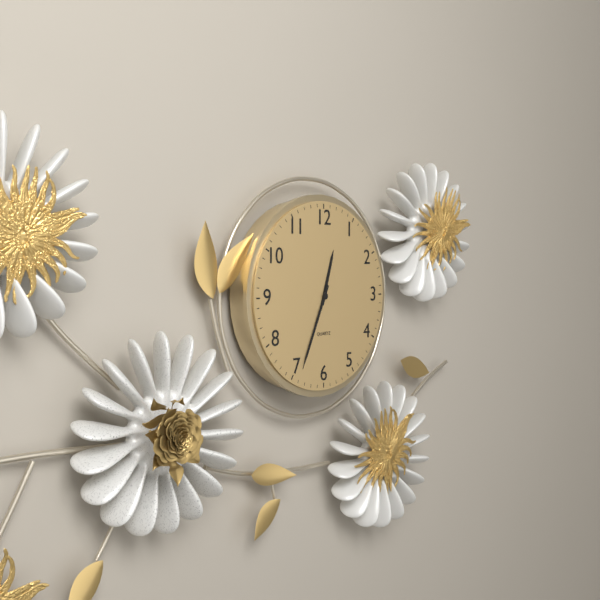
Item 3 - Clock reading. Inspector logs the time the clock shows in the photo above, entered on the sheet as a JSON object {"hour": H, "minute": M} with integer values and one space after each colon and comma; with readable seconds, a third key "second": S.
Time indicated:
{"hour": 12, "minute": 34}
